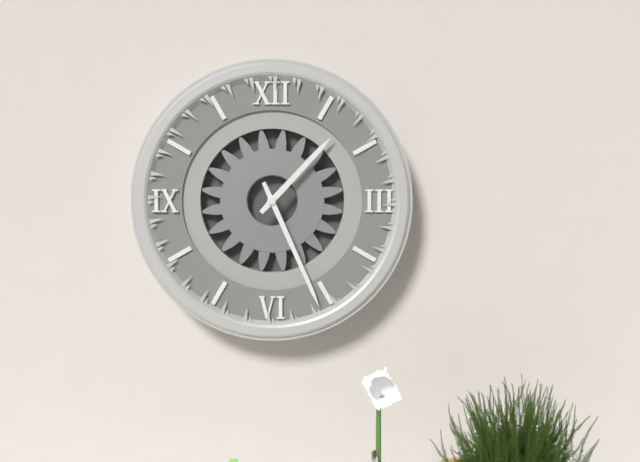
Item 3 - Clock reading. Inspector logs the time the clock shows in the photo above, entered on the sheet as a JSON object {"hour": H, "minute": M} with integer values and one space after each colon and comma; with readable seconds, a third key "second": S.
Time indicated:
{"hour": 1, "minute": 26}
